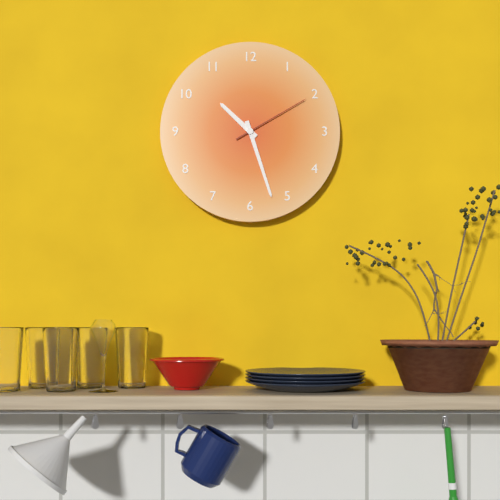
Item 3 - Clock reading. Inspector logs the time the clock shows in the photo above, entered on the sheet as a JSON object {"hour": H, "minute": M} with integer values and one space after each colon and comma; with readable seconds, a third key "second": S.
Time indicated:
{"hour": 10, "minute": 27, "second": 10}
